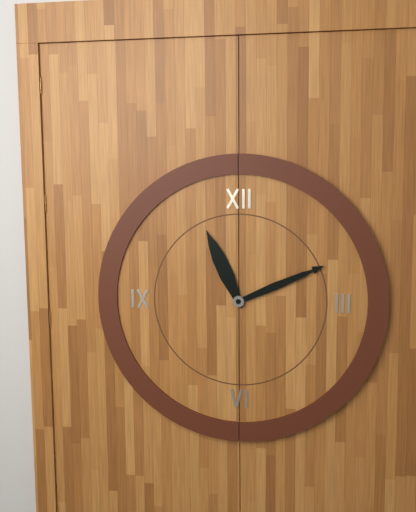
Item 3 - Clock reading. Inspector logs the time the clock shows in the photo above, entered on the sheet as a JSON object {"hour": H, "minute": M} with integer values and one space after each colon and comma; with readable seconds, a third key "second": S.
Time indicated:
{"hour": 11, "minute": 11}
